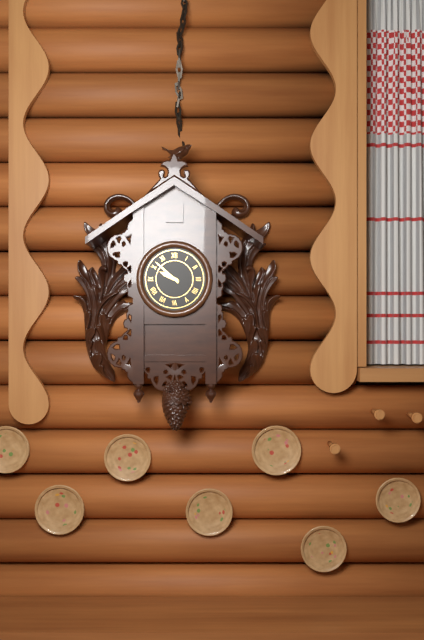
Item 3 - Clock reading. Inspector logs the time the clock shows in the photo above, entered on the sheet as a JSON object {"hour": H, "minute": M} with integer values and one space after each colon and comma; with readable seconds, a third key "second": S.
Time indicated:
{"hour": 9, "minute": 52}
